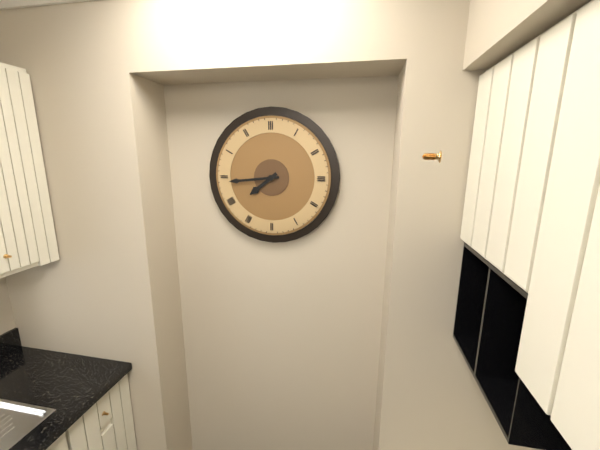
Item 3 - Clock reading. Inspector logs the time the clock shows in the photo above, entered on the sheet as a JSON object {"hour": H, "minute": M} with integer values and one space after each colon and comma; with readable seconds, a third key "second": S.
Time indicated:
{"hour": 7, "minute": 44}
